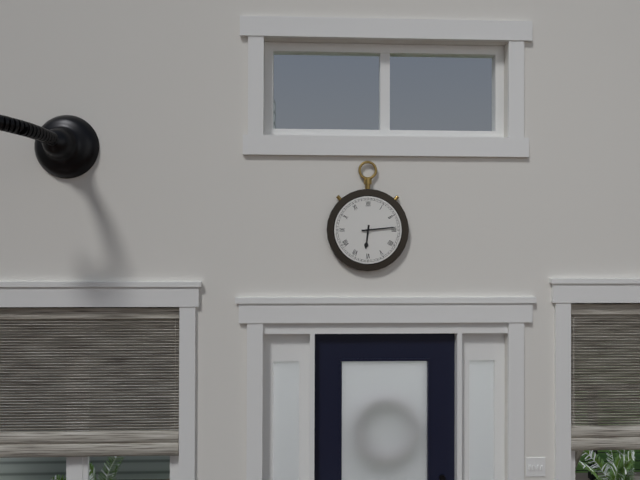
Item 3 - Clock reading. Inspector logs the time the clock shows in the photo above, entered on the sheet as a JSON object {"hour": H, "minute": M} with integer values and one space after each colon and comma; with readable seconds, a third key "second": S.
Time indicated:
{"hour": 6, "minute": 14}
